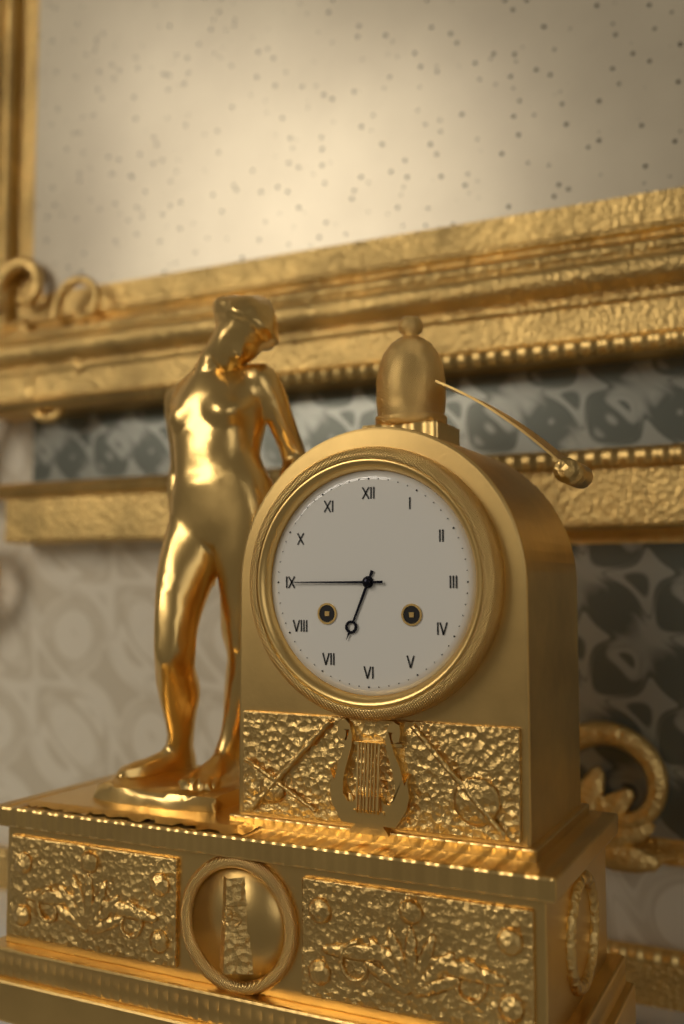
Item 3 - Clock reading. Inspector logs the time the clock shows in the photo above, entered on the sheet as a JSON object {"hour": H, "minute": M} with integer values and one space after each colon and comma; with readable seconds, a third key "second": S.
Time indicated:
{"hour": 6, "minute": 45}
